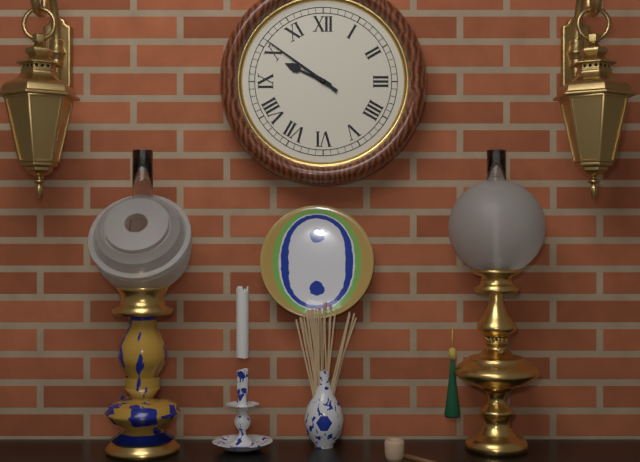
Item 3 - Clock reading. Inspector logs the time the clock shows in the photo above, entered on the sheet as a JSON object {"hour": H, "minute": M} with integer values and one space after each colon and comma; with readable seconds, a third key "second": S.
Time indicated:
{"hour": 9, "minute": 51}
